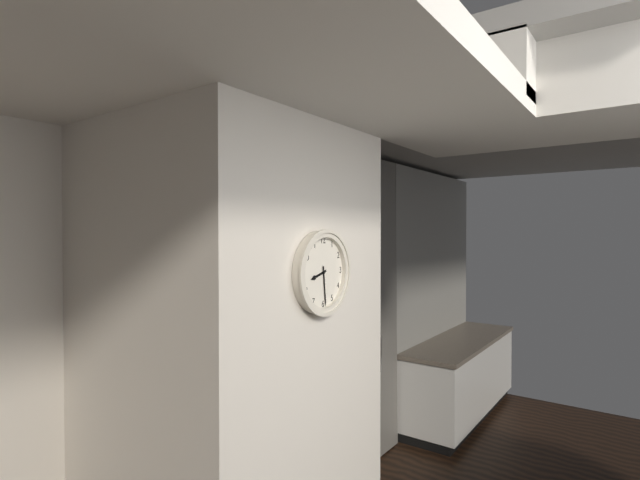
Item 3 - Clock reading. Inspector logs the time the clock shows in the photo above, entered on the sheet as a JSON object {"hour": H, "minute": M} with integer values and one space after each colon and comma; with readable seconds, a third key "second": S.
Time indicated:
{"hour": 8, "minute": 29}
